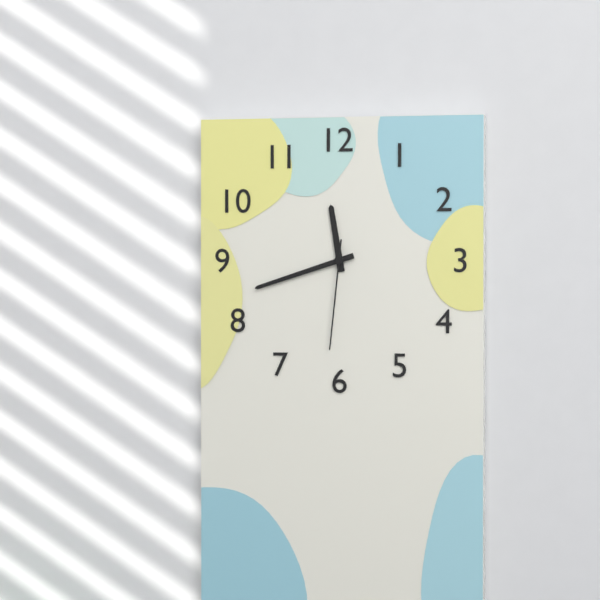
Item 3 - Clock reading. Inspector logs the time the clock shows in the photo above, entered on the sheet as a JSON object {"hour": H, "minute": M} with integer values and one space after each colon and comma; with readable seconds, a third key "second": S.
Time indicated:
{"hour": 11, "minute": 42, "second": 31}
